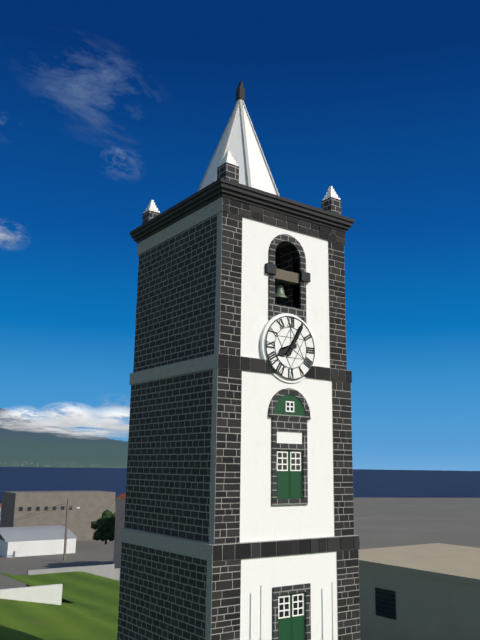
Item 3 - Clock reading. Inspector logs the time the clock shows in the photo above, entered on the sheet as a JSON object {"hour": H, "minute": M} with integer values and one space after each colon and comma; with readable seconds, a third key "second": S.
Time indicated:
{"hour": 8, "minute": 5}
